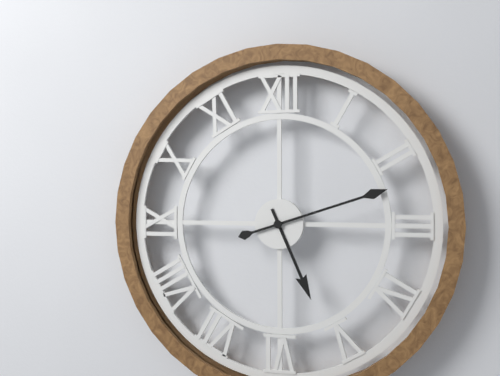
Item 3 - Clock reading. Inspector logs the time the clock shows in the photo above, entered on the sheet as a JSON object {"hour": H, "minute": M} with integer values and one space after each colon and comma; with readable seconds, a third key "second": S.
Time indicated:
{"hour": 5, "minute": 12}
